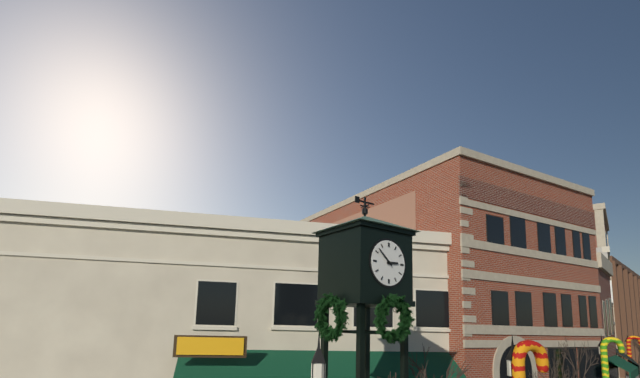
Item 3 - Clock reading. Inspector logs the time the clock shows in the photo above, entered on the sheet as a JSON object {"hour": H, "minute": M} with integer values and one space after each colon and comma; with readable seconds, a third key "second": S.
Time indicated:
{"hour": 2, "minute": 52}
